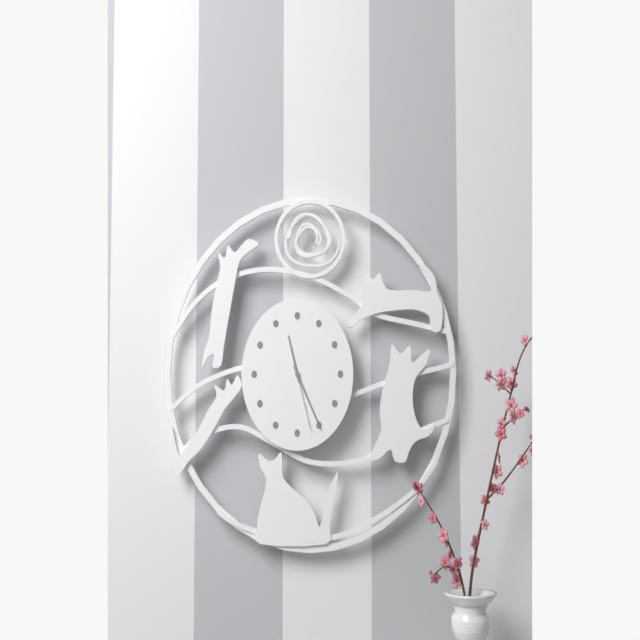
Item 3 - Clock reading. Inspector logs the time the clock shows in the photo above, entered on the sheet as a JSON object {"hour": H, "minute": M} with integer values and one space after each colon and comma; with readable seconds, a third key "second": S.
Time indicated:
{"hour": 11, "minute": 25, "second": 27}
